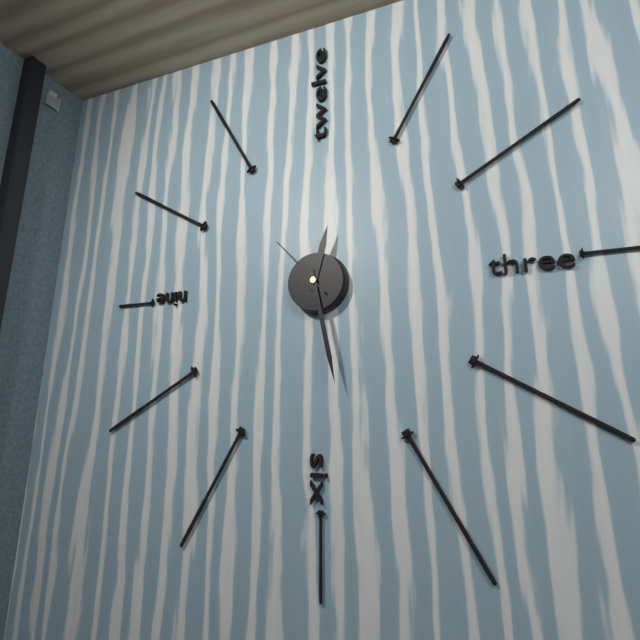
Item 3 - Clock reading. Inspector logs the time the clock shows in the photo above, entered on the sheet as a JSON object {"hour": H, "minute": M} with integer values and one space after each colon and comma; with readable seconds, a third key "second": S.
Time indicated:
{"hour": 12, "minute": 28, "second": 53}
